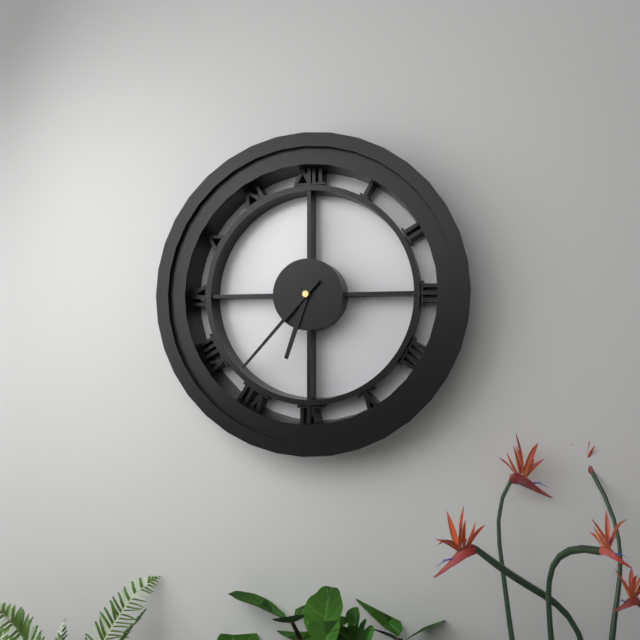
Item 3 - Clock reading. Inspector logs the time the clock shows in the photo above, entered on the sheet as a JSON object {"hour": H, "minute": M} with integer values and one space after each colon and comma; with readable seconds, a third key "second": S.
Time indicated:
{"hour": 6, "minute": 37}
